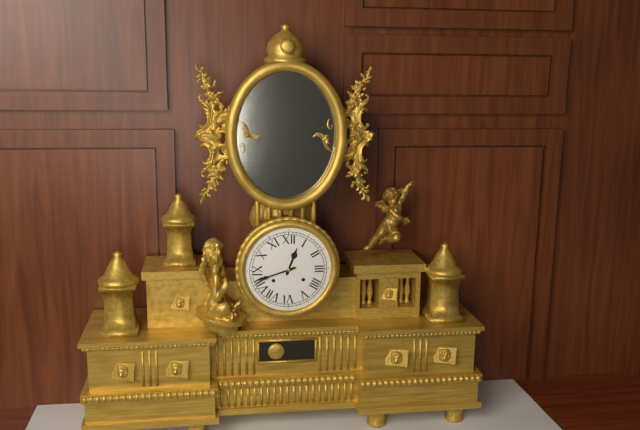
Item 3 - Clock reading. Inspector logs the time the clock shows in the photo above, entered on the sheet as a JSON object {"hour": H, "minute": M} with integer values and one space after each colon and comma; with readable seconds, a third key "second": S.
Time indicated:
{"hour": 12, "minute": 42}
